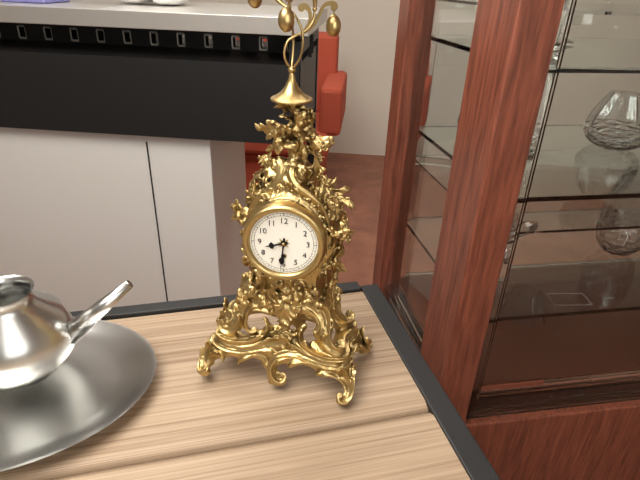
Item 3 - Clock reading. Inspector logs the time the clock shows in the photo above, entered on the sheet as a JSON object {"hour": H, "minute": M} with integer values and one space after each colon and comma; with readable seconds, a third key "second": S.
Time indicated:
{"hour": 8, "minute": 31}
